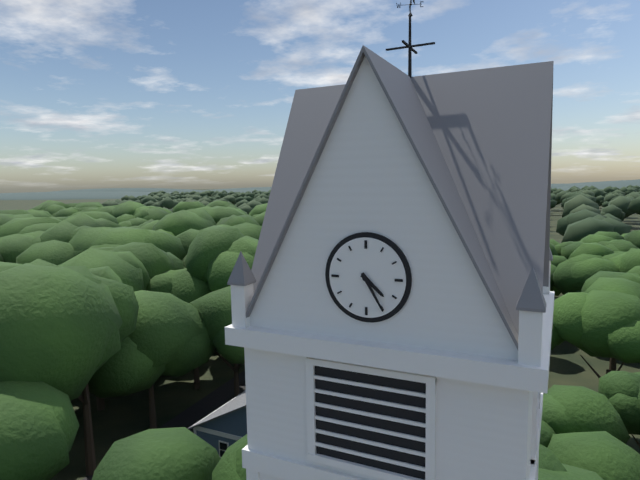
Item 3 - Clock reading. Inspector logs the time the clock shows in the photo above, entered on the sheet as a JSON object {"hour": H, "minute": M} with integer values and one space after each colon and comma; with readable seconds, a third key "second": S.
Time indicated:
{"hour": 4, "minute": 25}
